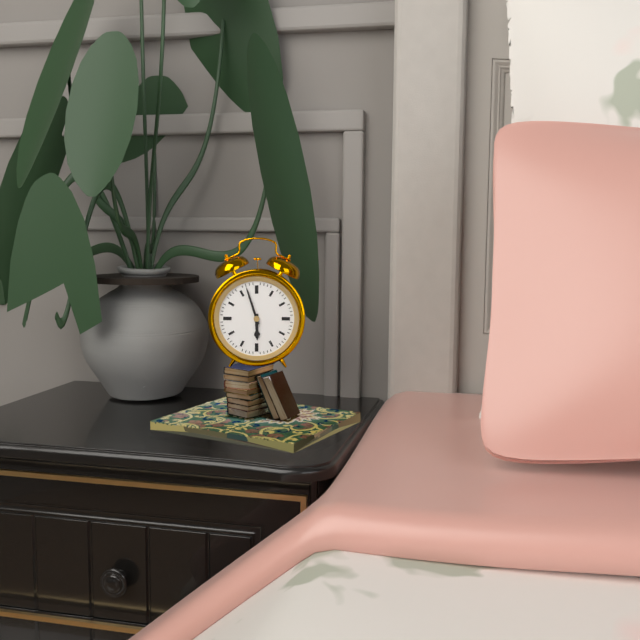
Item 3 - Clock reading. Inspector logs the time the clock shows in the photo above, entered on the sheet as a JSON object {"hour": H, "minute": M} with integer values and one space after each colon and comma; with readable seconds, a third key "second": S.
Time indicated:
{"hour": 5, "minute": 57}
